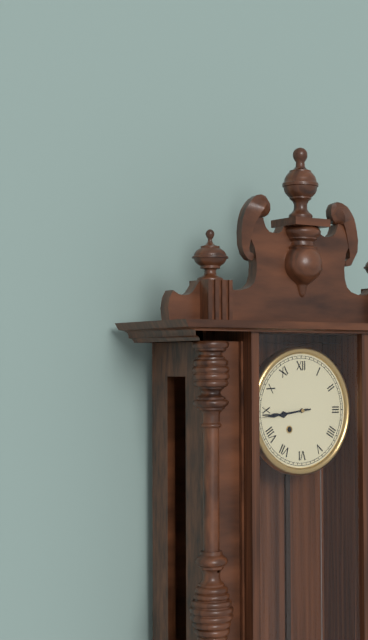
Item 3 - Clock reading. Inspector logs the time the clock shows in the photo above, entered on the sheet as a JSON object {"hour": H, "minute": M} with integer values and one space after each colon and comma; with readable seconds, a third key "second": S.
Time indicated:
{"hour": 8, "minute": 44}
